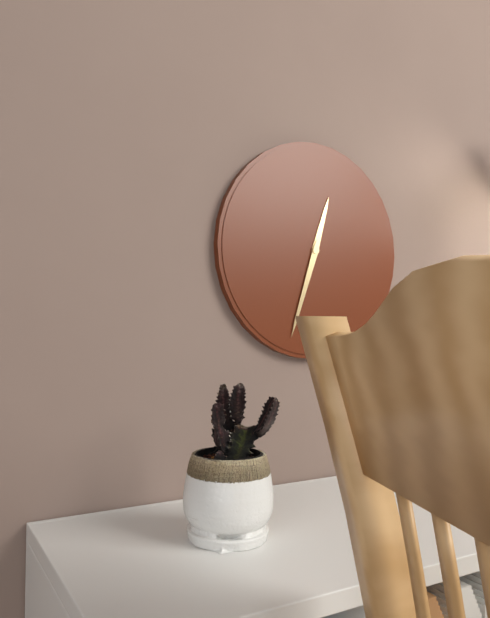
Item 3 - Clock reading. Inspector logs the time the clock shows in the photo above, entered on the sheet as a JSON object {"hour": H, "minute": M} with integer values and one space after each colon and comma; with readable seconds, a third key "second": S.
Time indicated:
{"hour": 12, "minute": 33}
